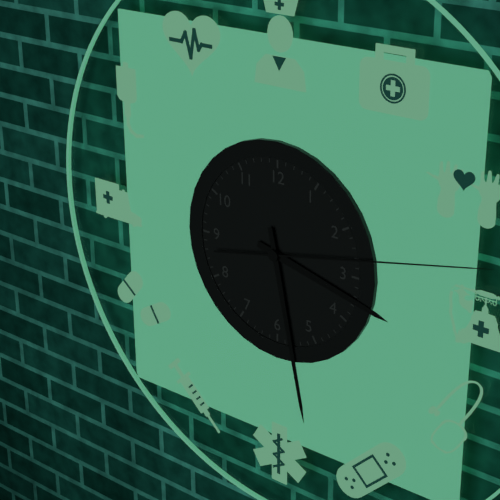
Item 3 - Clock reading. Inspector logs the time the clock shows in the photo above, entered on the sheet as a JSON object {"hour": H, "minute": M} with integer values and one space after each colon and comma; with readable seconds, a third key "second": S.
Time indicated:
{"hour": 3, "minute": 28, "second": 13}
